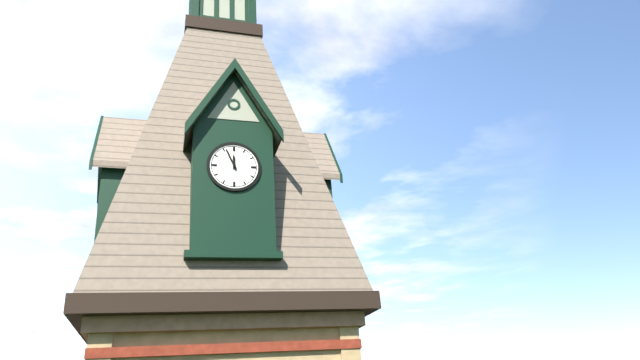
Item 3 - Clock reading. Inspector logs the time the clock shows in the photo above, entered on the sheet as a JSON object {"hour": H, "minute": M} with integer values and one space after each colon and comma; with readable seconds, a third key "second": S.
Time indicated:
{"hour": 11, "minute": 56}
